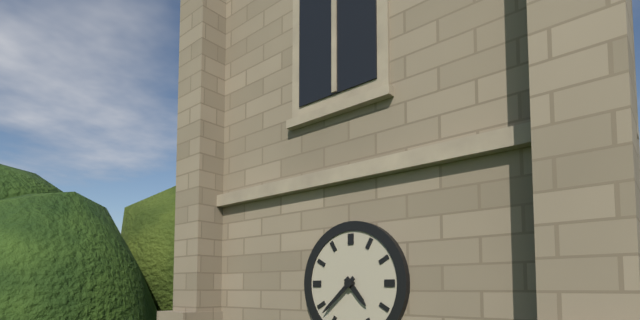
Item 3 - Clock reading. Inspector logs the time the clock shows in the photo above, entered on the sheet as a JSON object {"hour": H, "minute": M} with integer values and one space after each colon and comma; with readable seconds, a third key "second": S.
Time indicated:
{"hour": 4, "minute": 38}
